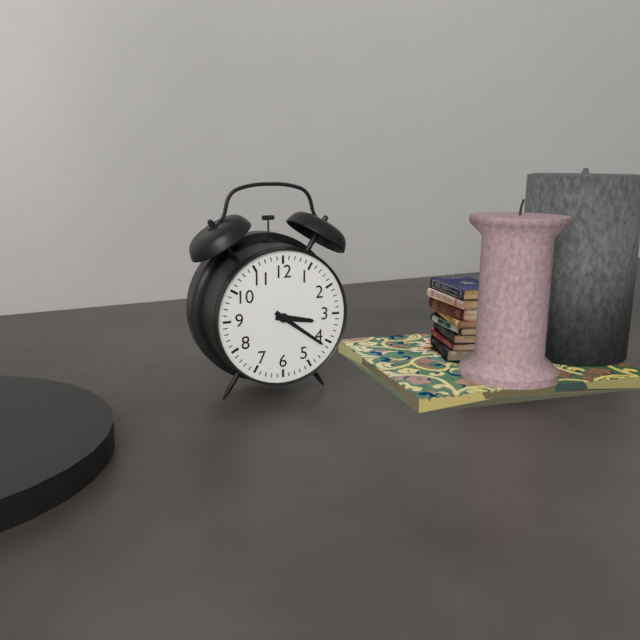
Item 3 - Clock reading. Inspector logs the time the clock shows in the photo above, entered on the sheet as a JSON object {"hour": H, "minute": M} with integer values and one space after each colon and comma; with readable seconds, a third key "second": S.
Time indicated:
{"hour": 3, "minute": 21}
